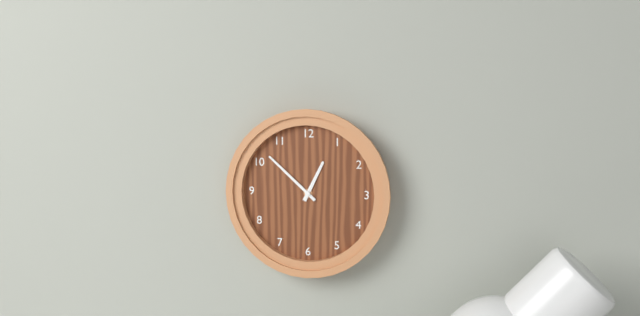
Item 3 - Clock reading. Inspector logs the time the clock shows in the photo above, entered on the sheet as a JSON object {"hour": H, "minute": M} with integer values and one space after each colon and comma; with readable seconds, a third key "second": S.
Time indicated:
{"hour": 12, "minute": 52}
